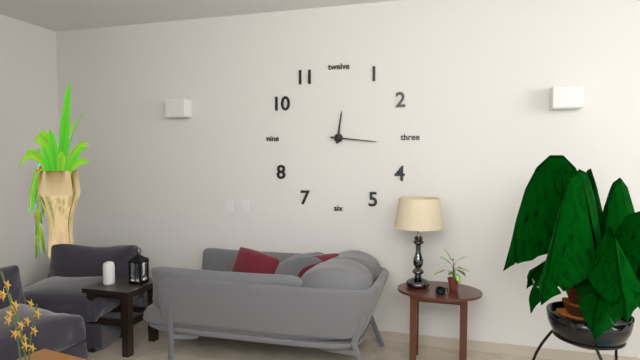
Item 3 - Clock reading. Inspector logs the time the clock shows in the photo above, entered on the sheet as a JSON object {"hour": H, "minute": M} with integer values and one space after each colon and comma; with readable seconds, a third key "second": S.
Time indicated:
{"hour": 12, "minute": 16}
